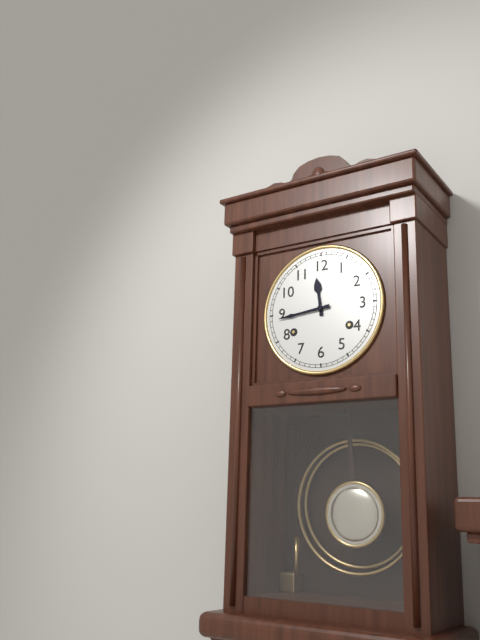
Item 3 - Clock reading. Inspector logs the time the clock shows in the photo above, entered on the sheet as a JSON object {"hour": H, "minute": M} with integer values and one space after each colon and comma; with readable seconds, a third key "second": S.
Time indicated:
{"hour": 11, "minute": 44}
